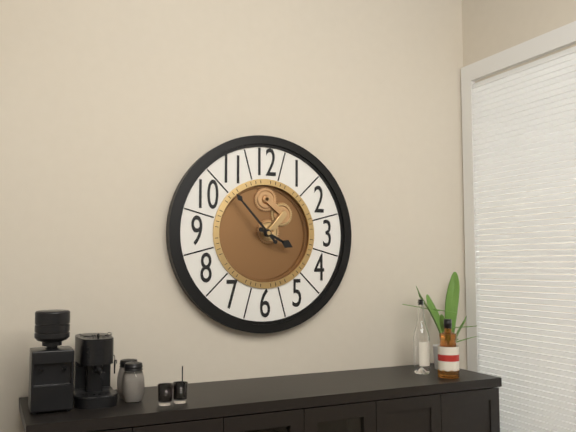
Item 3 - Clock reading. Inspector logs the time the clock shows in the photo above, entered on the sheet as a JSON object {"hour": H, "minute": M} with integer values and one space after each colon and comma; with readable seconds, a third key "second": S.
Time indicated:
{"hour": 3, "minute": 53}
